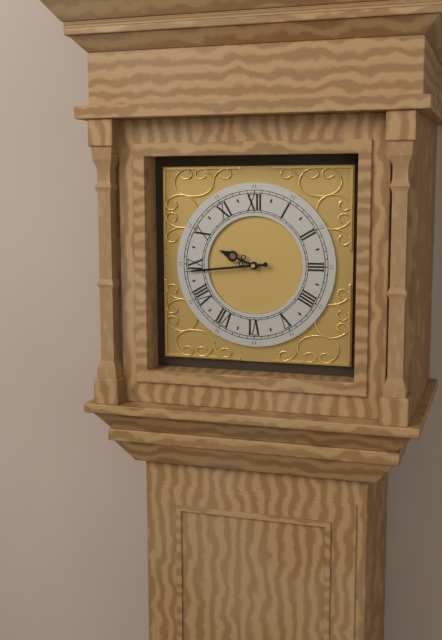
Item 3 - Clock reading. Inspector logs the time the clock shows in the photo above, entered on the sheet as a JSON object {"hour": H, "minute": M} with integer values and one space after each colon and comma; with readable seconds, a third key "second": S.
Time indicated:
{"hour": 9, "minute": 44}
